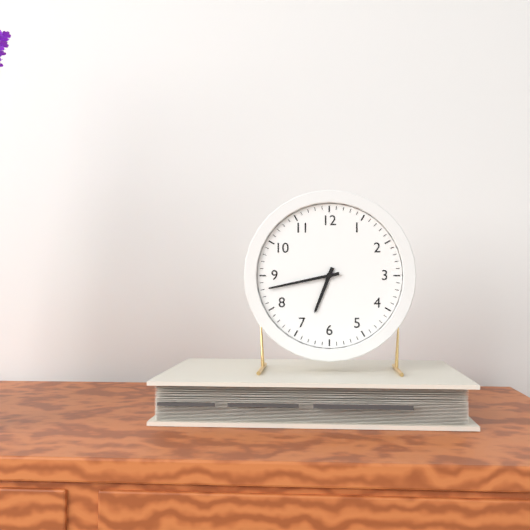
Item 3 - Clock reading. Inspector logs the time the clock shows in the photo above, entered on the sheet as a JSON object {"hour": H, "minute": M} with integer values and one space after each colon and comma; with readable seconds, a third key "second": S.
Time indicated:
{"hour": 6, "minute": 43}
